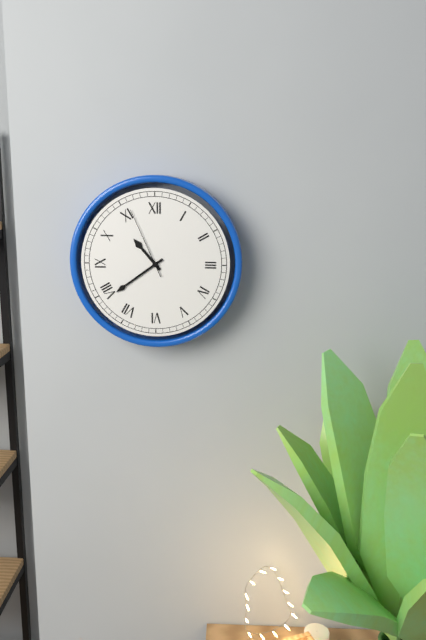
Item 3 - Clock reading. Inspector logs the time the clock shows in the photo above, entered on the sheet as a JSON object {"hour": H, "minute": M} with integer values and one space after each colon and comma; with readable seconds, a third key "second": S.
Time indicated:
{"hour": 10, "minute": 39, "second": 56}
